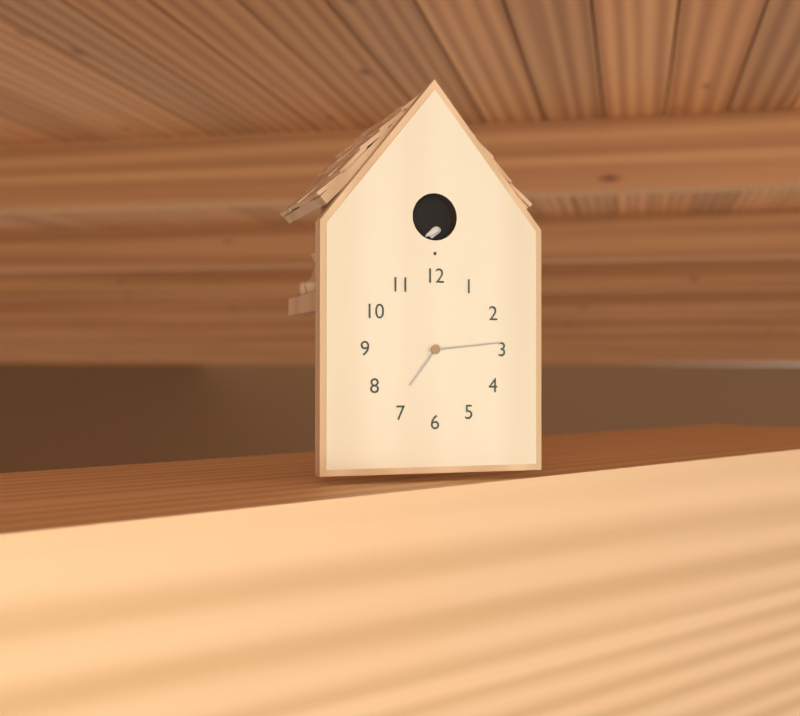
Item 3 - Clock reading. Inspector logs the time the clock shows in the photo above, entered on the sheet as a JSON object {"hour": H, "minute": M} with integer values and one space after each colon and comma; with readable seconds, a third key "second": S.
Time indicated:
{"hour": 7, "minute": 14}
